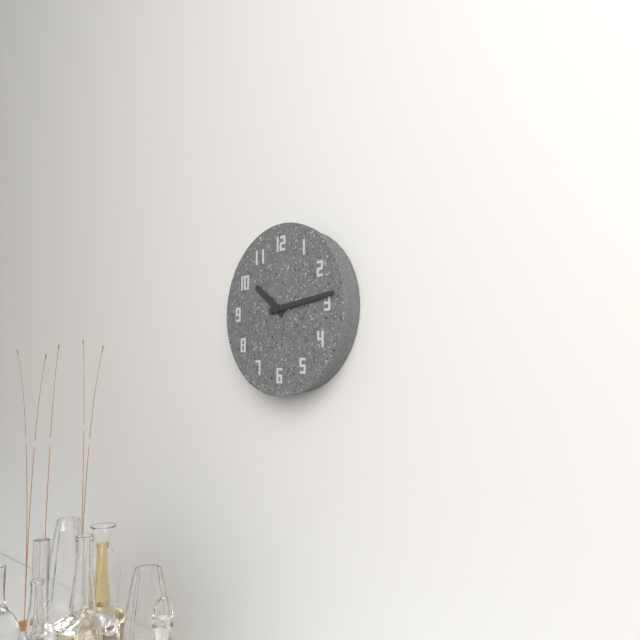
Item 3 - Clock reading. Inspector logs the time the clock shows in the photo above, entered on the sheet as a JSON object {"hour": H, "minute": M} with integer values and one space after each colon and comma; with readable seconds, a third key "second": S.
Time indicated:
{"hour": 10, "minute": 14}
